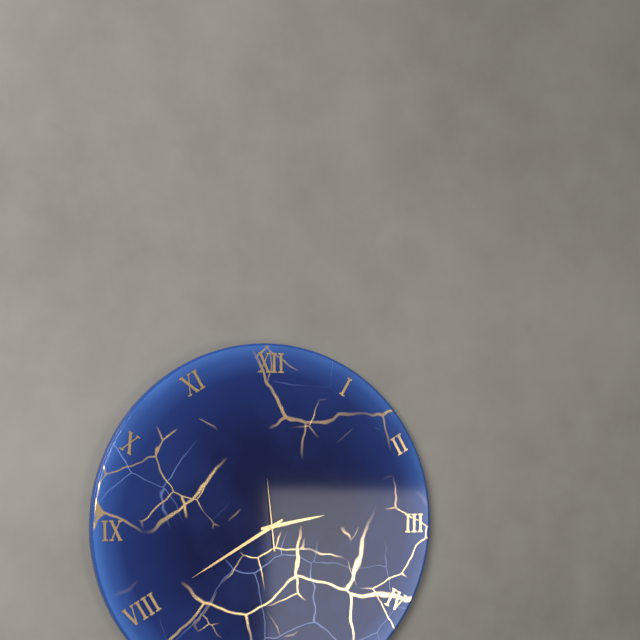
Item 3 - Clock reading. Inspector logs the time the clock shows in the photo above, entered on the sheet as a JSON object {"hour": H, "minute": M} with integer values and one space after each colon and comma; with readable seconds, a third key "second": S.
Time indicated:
{"hour": 2, "minute": 40, "second": 59}
